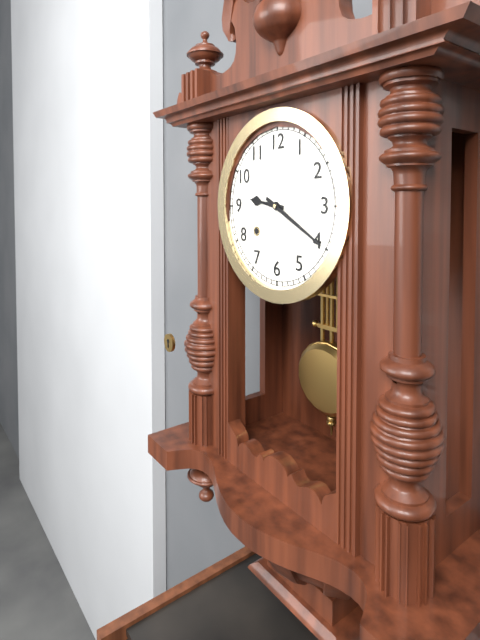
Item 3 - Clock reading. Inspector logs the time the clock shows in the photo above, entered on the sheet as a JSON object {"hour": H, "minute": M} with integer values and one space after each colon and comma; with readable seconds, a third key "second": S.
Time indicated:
{"hour": 9, "minute": 20}
